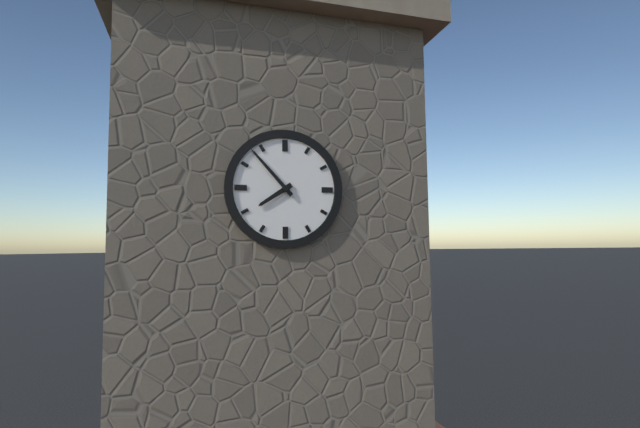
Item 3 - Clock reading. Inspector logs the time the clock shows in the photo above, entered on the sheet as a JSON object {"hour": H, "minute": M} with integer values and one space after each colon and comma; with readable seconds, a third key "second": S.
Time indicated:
{"hour": 7, "minute": 53}
